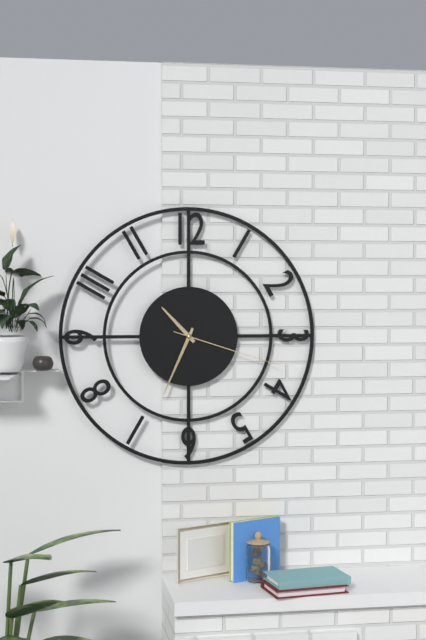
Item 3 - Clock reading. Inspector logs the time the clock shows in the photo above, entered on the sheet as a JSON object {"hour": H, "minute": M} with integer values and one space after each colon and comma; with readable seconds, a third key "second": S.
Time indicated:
{"hour": 10, "minute": 34, "second": 18}
